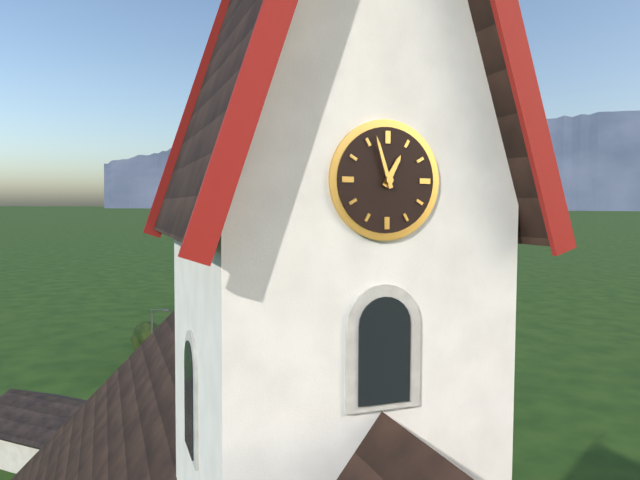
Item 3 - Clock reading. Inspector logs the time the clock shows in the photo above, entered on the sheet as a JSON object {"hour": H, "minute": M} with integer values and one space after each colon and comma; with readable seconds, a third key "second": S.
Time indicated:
{"hour": 12, "minute": 57}
